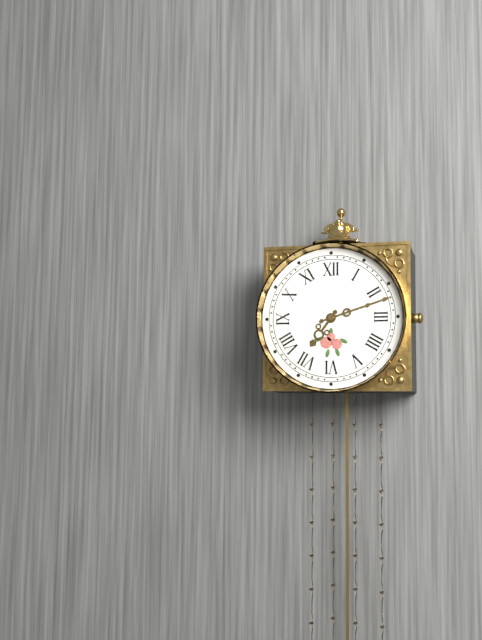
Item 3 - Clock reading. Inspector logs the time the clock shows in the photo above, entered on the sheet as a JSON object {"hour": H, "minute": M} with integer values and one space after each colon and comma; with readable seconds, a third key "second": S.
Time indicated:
{"hour": 7, "minute": 12}
